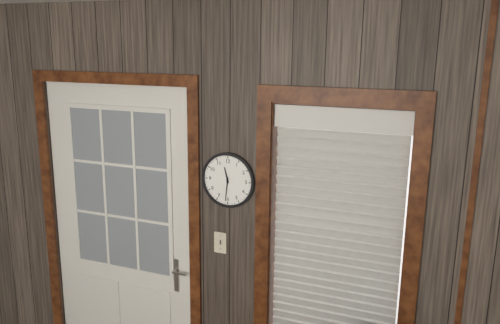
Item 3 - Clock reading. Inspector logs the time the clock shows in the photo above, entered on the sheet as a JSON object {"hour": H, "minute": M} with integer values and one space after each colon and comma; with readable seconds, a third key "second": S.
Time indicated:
{"hour": 11, "minute": 31}
